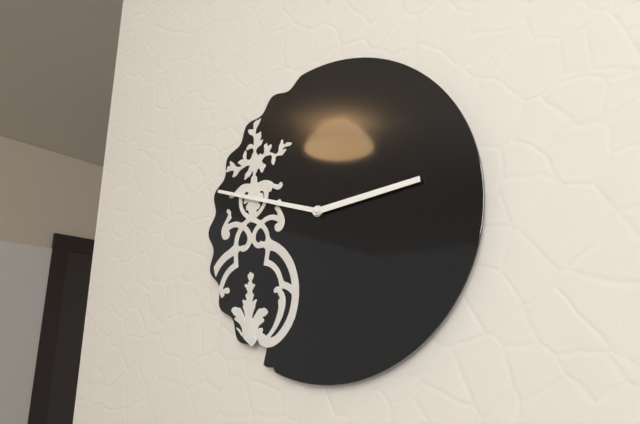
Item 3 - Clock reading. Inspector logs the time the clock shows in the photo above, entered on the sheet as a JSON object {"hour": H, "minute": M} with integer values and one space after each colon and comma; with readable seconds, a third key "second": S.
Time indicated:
{"hour": 2, "minute": 48}
